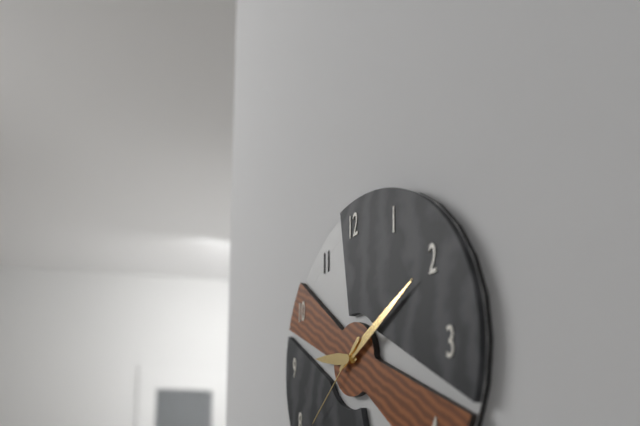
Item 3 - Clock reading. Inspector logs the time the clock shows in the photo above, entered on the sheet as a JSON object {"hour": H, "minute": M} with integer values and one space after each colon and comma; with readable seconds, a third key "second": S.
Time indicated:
{"hour": 9, "minute": 10, "second": 38}
